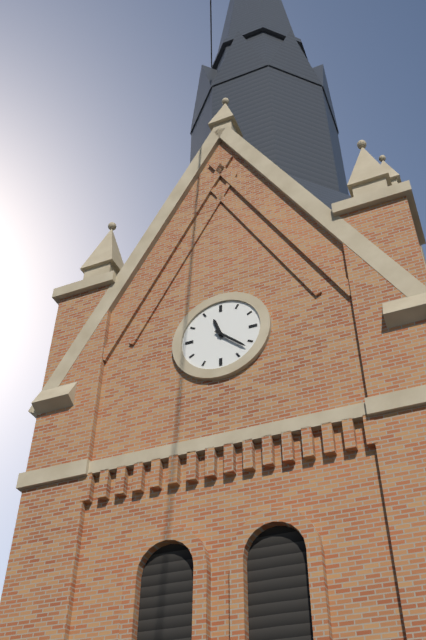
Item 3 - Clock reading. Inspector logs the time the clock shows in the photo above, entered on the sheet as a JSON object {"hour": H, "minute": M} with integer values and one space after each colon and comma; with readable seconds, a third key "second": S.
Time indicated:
{"hour": 11, "minute": 22}
